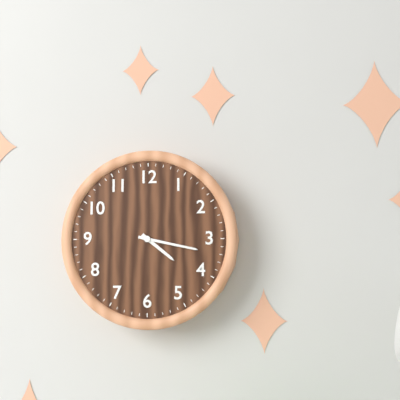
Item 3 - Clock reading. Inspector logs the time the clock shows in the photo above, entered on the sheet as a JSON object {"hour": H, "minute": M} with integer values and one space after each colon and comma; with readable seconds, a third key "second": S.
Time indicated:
{"hour": 4, "minute": 17}
